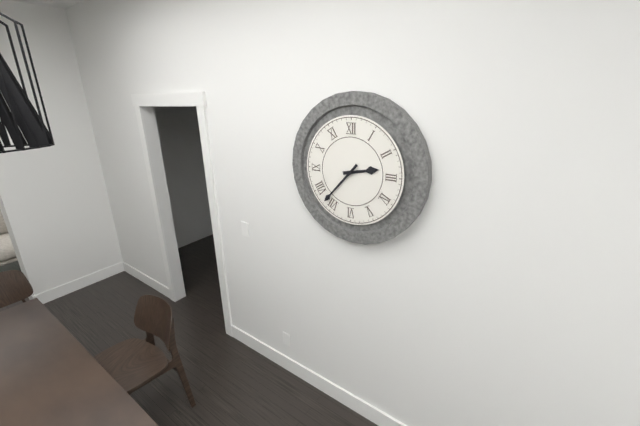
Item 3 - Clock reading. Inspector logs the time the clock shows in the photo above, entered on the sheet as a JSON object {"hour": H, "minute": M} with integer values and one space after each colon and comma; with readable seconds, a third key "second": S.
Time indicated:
{"hour": 2, "minute": 37}
